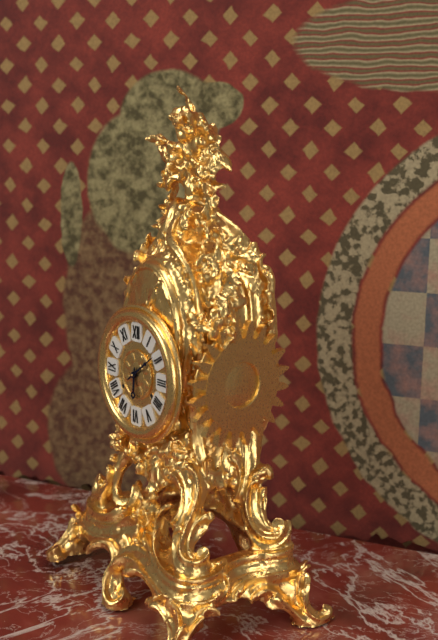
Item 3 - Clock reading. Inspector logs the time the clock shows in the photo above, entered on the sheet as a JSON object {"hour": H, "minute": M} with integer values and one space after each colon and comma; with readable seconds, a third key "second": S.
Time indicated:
{"hour": 6, "minute": 9}
